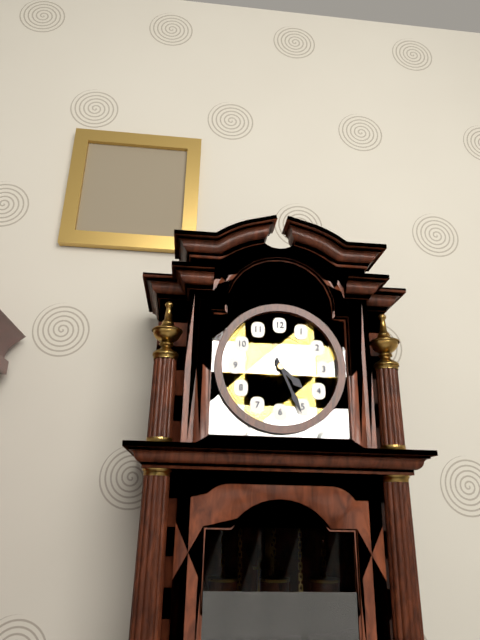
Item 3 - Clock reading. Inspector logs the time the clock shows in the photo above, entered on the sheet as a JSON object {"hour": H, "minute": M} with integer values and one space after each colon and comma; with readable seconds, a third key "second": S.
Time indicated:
{"hour": 4, "minute": 26}
